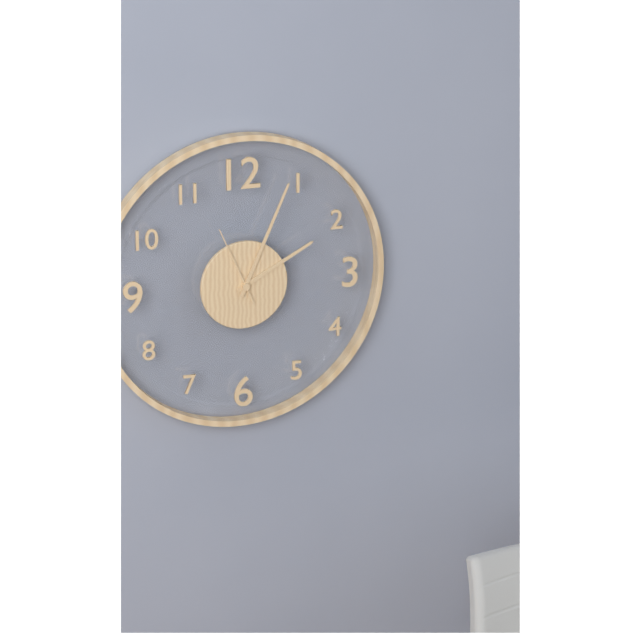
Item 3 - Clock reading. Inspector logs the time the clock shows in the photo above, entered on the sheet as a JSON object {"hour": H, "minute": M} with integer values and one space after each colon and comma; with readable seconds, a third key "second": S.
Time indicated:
{"hour": 2, "minute": 4, "second": 56}
